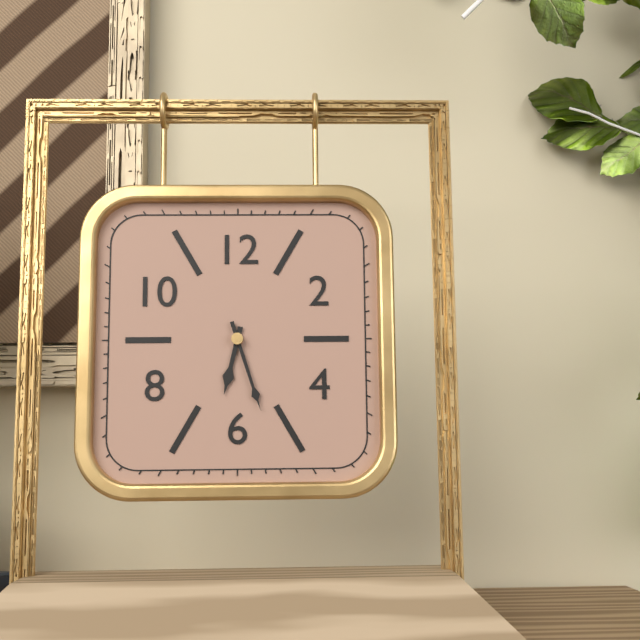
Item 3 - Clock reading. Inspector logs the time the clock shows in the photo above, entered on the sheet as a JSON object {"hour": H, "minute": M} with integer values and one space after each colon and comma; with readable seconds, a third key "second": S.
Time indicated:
{"hour": 6, "minute": 27}
